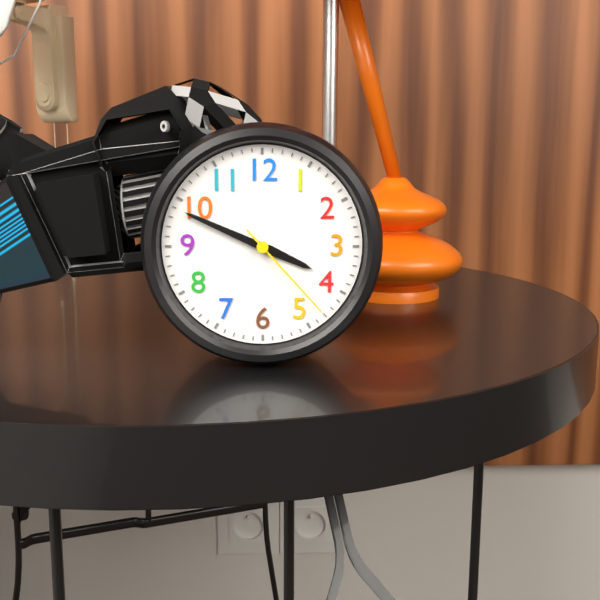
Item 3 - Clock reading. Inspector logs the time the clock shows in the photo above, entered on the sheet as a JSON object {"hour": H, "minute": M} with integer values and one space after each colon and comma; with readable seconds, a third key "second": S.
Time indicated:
{"hour": 3, "minute": 49, "second": 23}
